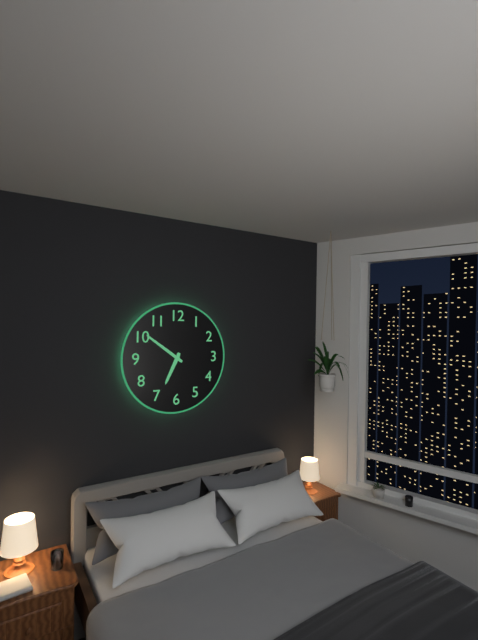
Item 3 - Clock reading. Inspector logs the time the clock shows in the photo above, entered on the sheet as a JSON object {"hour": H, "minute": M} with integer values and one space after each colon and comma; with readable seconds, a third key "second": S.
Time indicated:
{"hour": 6, "minute": 51}
